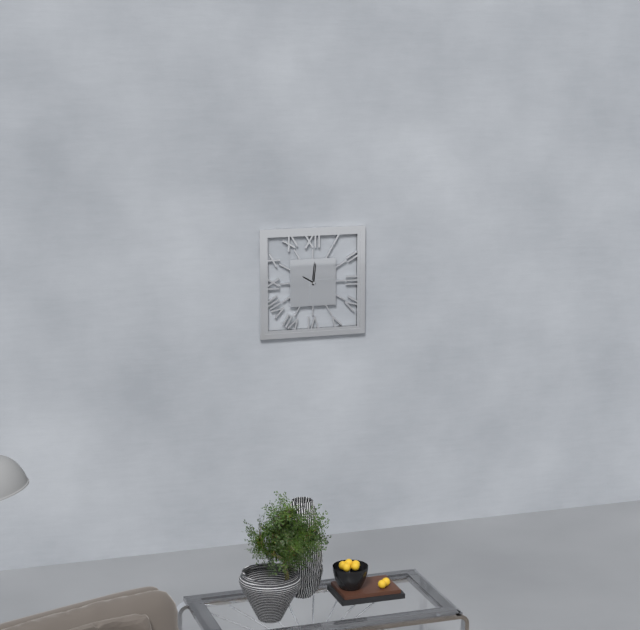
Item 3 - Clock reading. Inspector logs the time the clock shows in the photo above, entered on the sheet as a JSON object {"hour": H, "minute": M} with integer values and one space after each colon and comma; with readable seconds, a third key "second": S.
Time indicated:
{"hour": 10, "minute": 1}
